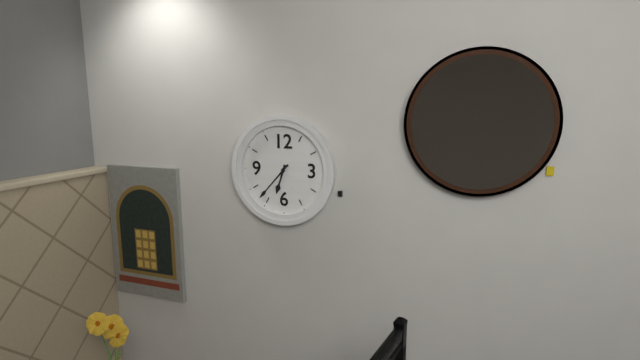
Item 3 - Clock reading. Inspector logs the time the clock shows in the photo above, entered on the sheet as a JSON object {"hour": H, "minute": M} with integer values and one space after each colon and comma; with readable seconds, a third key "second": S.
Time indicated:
{"hour": 6, "minute": 37}
